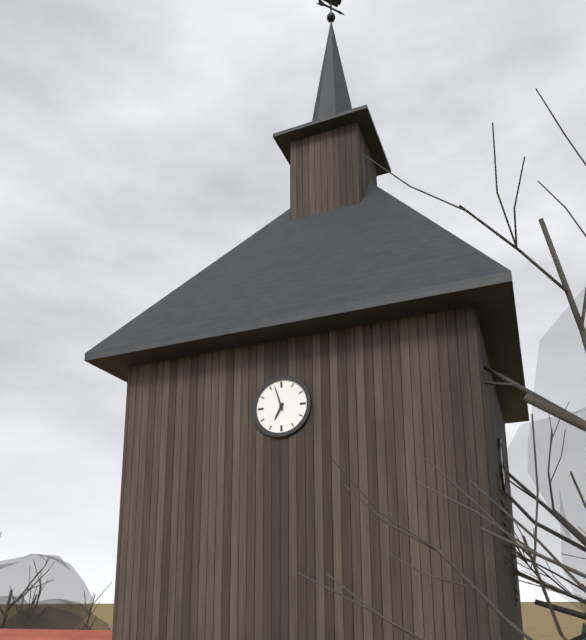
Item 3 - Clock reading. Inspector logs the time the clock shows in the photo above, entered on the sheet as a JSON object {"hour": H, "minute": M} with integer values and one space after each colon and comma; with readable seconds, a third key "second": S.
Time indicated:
{"hour": 6, "minute": 57}
